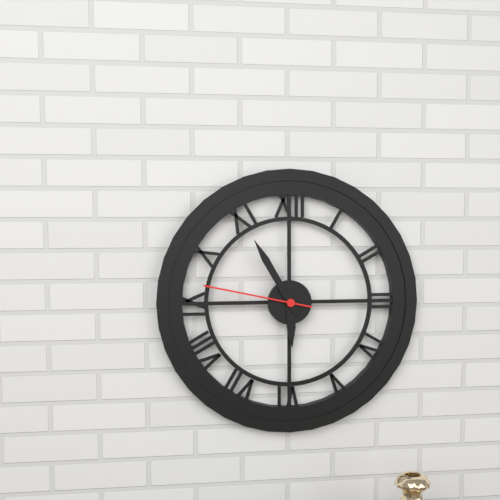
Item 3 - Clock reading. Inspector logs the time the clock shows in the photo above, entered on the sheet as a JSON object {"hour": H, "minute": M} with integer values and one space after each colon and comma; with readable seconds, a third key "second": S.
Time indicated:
{"hour": 5, "minute": 55, "second": 47}
